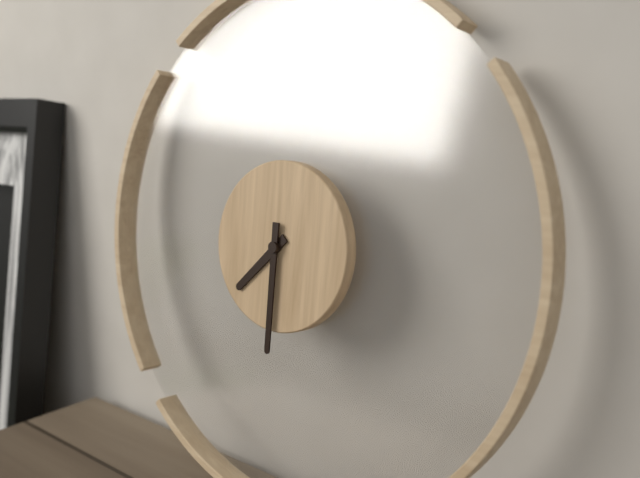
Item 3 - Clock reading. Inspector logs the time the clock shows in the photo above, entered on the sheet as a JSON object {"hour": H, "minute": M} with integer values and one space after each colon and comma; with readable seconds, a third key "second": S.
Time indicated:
{"hour": 7, "minute": 30}
